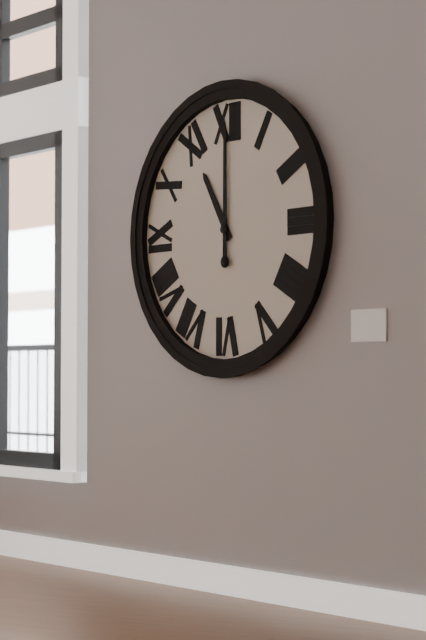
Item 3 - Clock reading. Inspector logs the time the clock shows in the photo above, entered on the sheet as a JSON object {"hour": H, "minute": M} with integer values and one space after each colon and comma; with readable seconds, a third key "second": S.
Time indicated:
{"hour": 11, "minute": 0}
